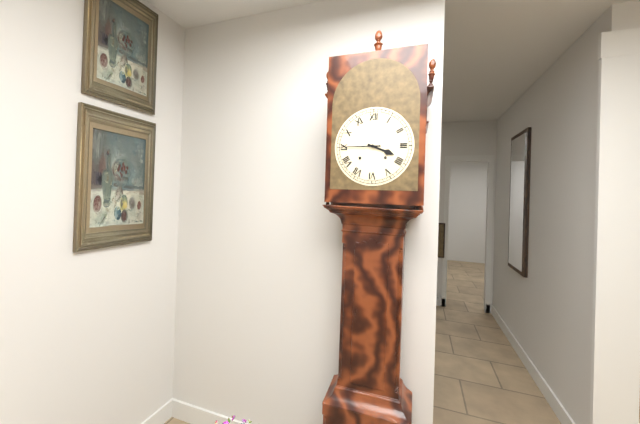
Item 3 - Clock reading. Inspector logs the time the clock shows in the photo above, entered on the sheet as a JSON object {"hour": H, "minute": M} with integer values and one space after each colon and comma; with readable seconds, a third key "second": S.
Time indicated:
{"hour": 3, "minute": 45}
